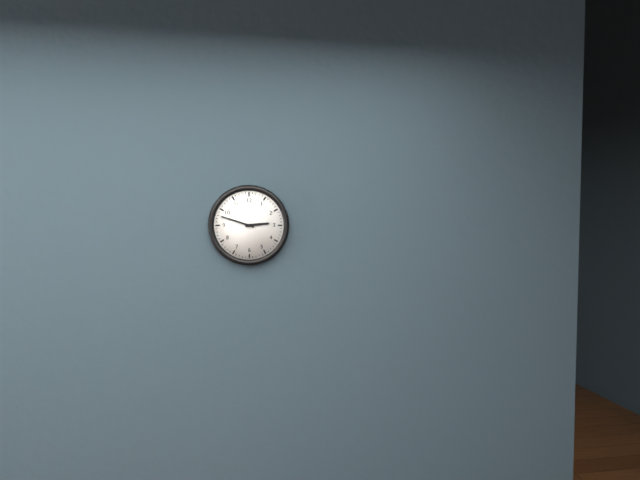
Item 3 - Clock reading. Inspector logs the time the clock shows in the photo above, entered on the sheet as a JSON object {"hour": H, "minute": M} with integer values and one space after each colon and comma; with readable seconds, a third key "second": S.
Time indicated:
{"hour": 2, "minute": 48}
